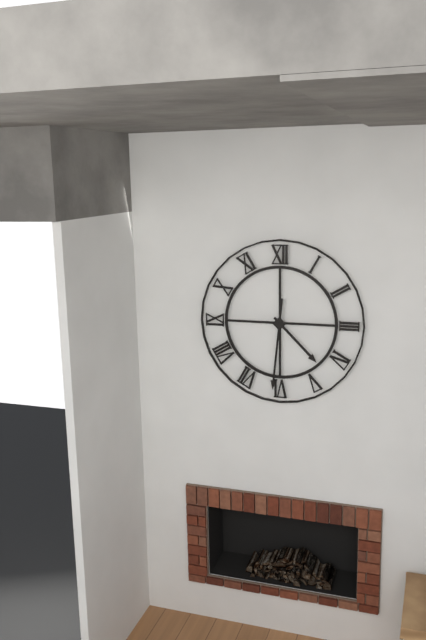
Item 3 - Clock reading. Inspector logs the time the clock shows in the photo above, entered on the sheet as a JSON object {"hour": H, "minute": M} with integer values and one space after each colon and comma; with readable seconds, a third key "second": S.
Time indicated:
{"hour": 4, "minute": 31}
